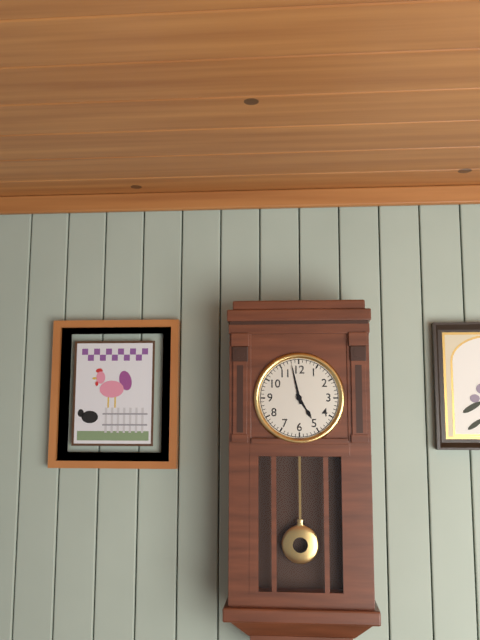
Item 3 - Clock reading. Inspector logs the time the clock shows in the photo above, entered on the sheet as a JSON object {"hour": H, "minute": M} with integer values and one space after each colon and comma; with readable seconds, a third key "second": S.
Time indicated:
{"hour": 4, "minute": 58}
